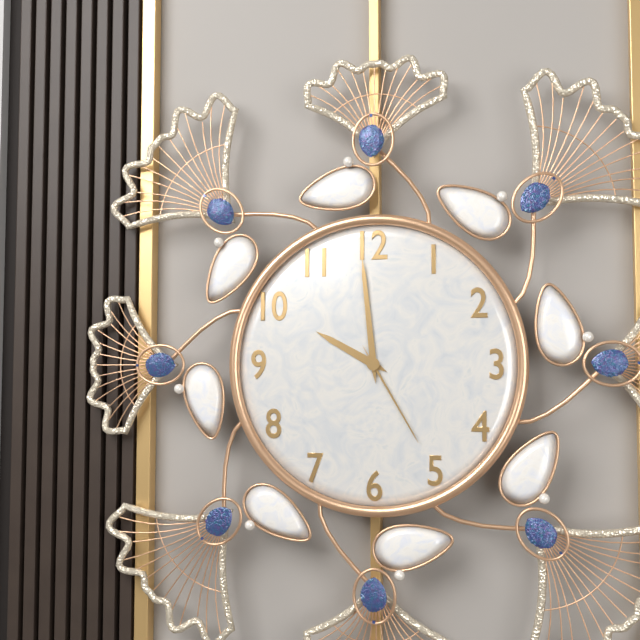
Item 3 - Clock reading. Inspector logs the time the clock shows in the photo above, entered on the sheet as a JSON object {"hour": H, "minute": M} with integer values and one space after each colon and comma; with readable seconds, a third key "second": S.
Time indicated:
{"hour": 9, "minute": 59, "second": 25}
